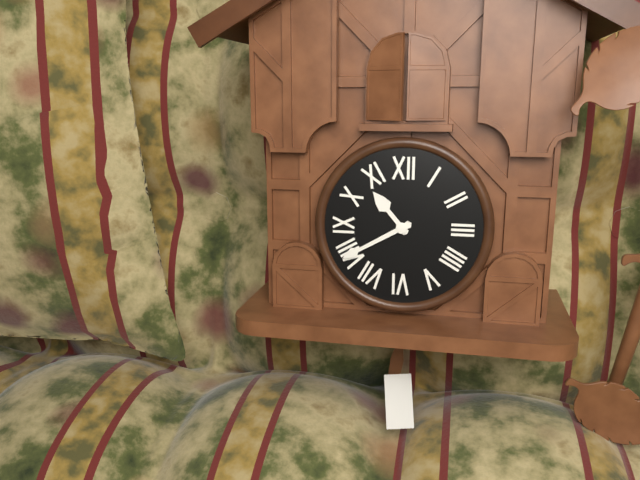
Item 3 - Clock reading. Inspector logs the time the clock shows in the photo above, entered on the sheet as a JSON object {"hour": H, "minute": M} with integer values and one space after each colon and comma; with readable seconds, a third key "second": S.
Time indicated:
{"hour": 10, "minute": 40}
